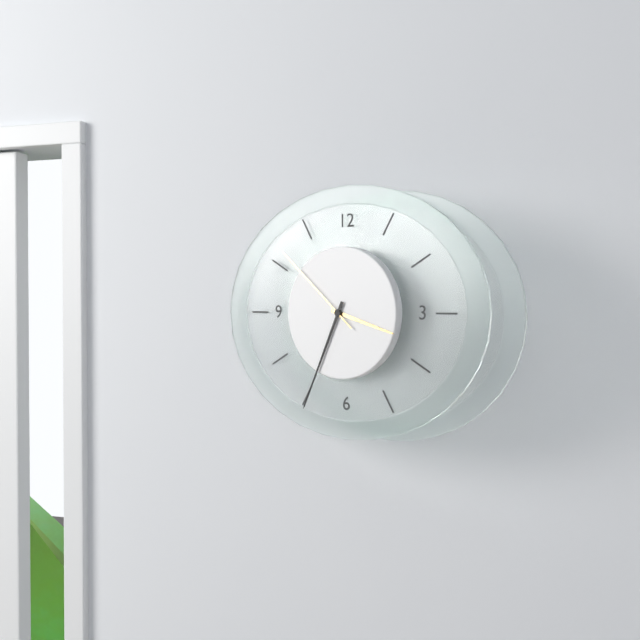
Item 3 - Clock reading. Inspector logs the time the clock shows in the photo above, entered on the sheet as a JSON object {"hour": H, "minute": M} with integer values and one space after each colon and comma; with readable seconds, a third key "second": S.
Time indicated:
{"hour": 3, "minute": 34, "second": 52}
